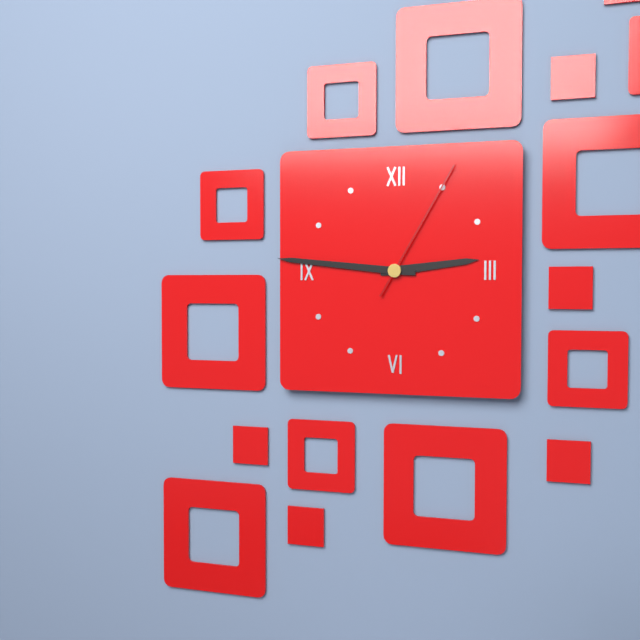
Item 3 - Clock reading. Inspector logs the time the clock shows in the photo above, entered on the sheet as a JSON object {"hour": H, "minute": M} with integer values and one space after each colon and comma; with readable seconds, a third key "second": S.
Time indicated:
{"hour": 2, "minute": 46, "second": 5}
